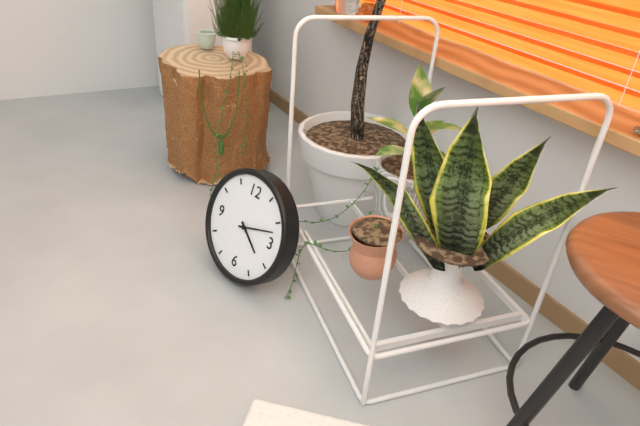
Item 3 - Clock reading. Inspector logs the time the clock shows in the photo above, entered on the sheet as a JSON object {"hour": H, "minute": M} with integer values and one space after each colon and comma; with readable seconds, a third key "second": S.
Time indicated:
{"hour": 4, "minute": 12}
